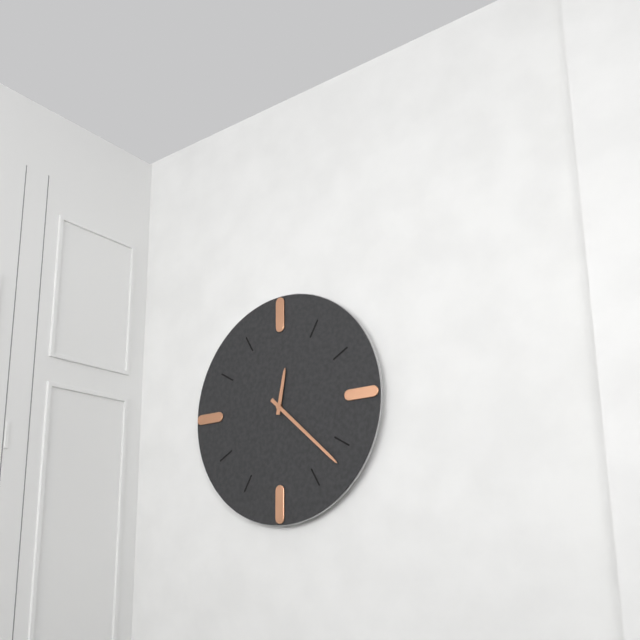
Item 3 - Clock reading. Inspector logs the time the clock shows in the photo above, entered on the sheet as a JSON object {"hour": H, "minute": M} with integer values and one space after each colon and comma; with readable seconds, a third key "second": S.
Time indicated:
{"hour": 12, "minute": 22}
